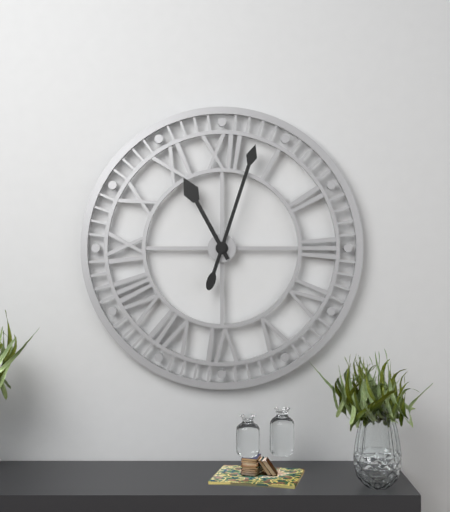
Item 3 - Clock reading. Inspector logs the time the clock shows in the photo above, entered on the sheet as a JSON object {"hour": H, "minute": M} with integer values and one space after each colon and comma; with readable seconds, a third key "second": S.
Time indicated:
{"hour": 11, "minute": 3}
